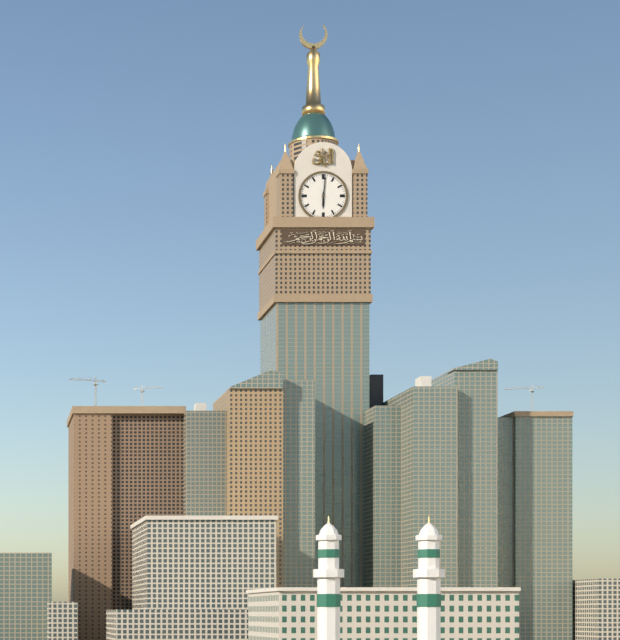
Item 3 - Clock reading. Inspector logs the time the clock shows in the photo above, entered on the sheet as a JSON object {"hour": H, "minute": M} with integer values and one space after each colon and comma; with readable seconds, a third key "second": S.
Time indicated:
{"hour": 6, "minute": 1}
